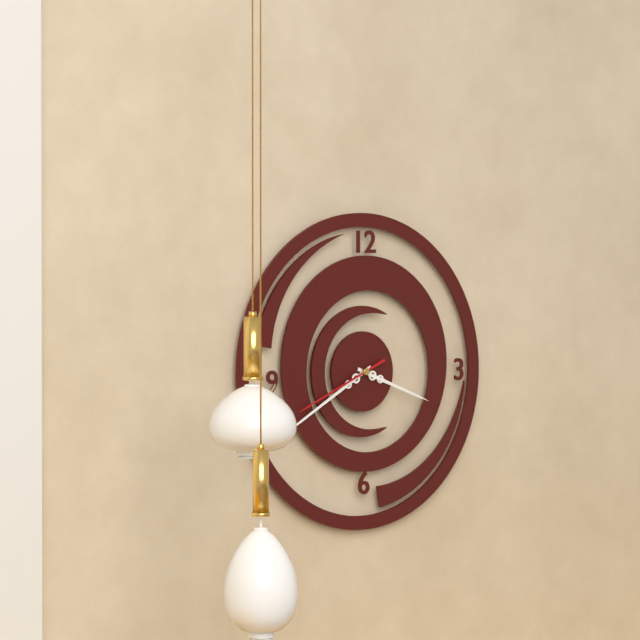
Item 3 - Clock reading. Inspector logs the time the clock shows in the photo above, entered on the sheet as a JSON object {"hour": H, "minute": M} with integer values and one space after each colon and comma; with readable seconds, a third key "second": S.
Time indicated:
{"hour": 3, "minute": 40, "second": 41}
